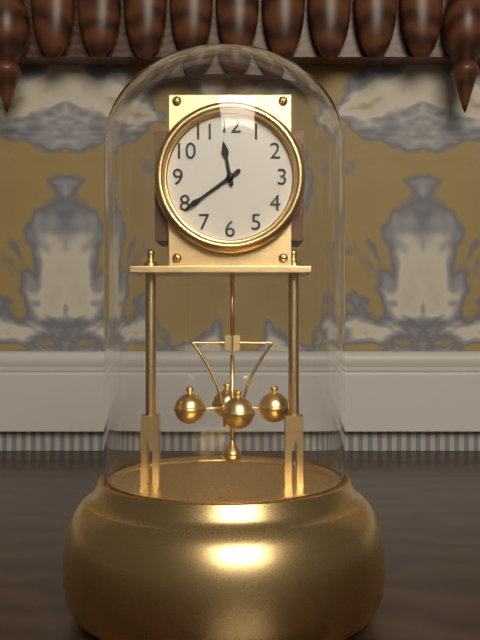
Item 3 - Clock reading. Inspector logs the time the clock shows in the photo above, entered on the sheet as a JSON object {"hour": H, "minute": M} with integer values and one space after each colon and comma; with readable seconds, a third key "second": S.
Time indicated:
{"hour": 11, "minute": 39}
